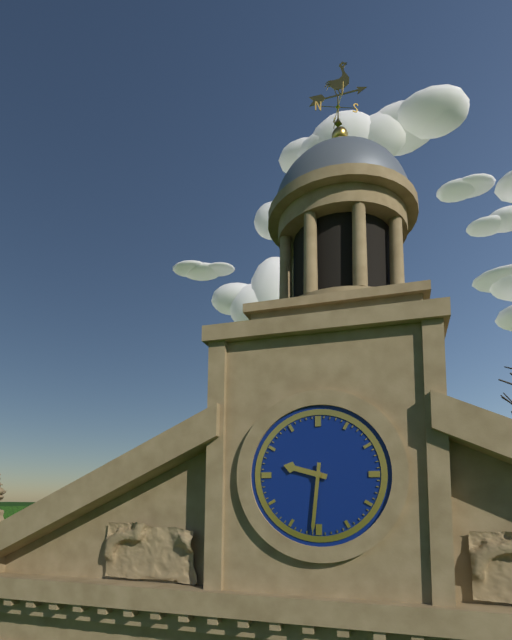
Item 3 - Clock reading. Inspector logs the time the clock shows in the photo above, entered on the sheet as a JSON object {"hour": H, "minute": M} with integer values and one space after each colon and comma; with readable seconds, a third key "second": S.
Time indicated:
{"hour": 9, "minute": 31}
